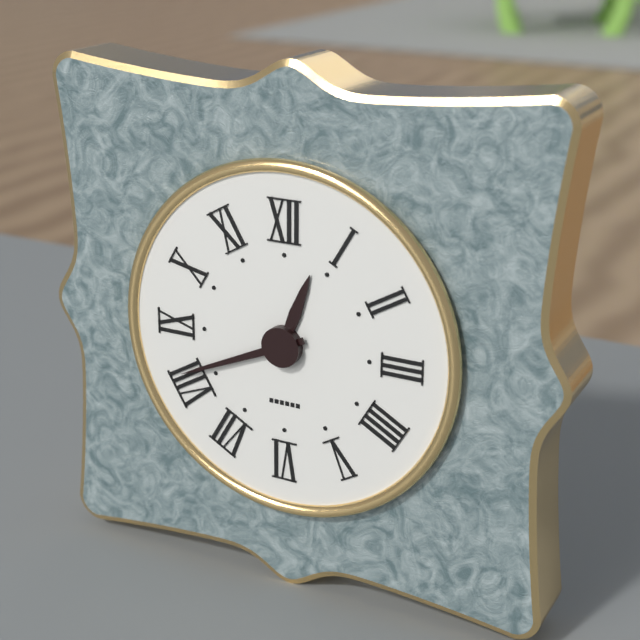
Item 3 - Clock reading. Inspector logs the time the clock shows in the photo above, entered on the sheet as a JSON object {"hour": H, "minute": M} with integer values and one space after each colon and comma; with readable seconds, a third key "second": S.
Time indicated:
{"hour": 12, "minute": 41}
